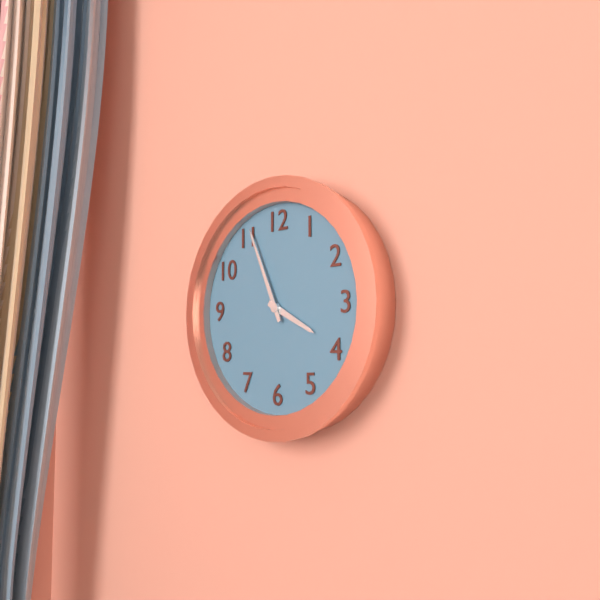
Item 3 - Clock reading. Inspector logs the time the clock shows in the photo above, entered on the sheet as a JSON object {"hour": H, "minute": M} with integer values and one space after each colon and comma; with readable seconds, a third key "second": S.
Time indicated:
{"hour": 3, "minute": 56}
